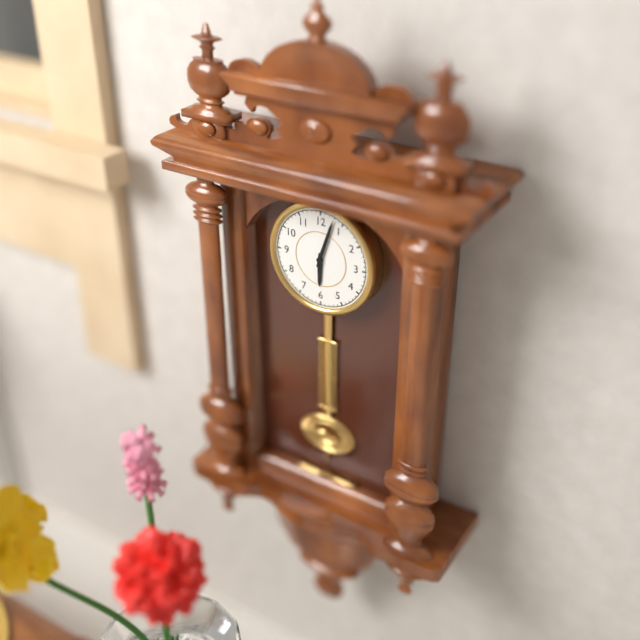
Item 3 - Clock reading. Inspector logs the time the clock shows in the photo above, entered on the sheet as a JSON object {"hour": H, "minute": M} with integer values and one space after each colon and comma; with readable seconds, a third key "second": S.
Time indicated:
{"hour": 6, "minute": 3}
